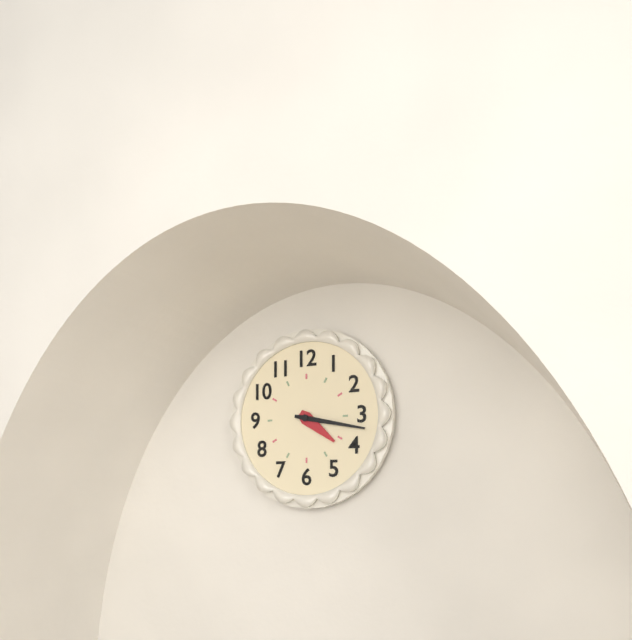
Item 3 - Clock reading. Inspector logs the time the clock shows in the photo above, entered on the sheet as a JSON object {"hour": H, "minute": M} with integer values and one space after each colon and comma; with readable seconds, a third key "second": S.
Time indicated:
{"hour": 4, "minute": 17}
